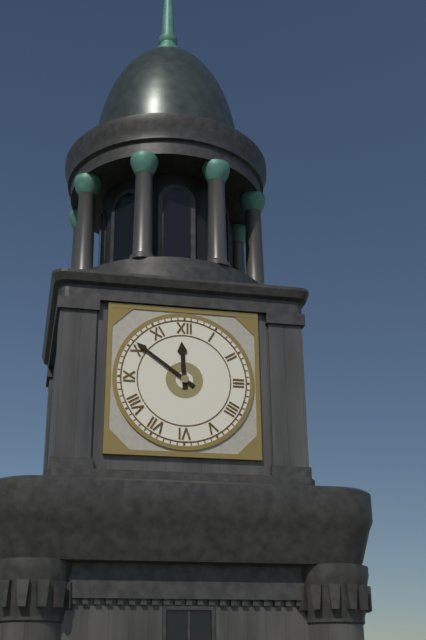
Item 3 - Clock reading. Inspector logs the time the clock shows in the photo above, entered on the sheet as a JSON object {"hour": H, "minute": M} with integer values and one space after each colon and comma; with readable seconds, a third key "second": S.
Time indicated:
{"hour": 11, "minute": 51}
